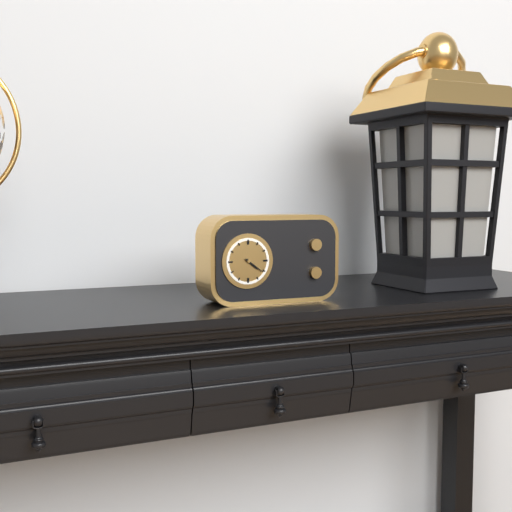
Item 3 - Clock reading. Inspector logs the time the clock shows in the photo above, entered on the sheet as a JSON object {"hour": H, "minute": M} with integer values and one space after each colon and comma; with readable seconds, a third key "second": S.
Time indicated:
{"hour": 4, "minute": 21}
